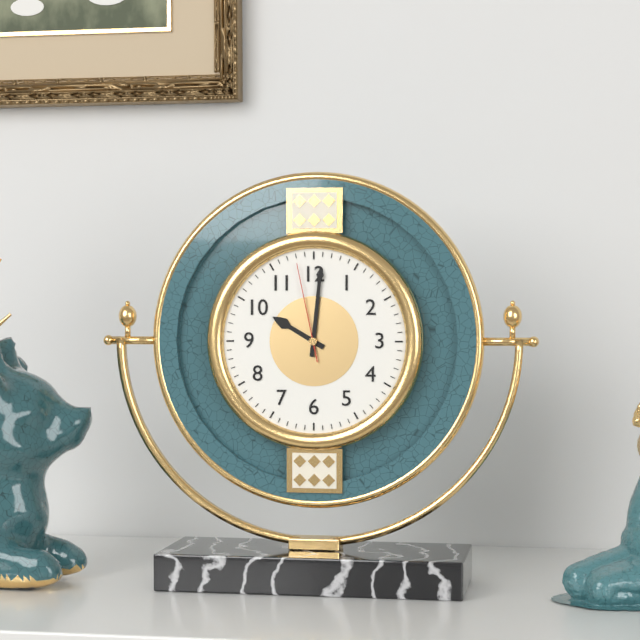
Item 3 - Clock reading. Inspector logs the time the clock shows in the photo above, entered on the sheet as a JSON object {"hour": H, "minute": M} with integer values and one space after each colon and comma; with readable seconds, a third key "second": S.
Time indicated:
{"hour": 10, "minute": 1, "second": 58}
